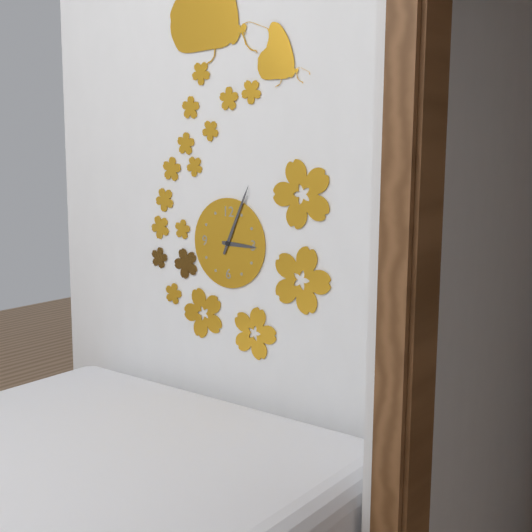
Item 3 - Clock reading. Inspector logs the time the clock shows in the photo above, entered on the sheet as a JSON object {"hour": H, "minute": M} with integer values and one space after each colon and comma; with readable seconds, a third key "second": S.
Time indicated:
{"hour": 3, "minute": 4}
